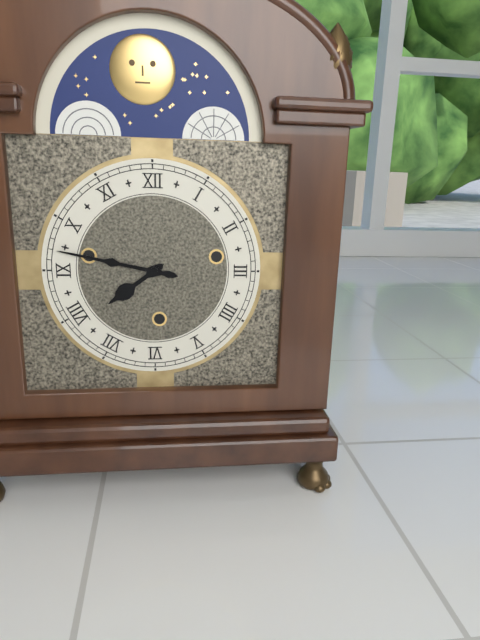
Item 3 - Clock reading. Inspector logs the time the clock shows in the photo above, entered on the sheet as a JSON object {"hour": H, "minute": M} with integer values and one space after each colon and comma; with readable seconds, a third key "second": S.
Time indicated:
{"hour": 7, "minute": 47}
